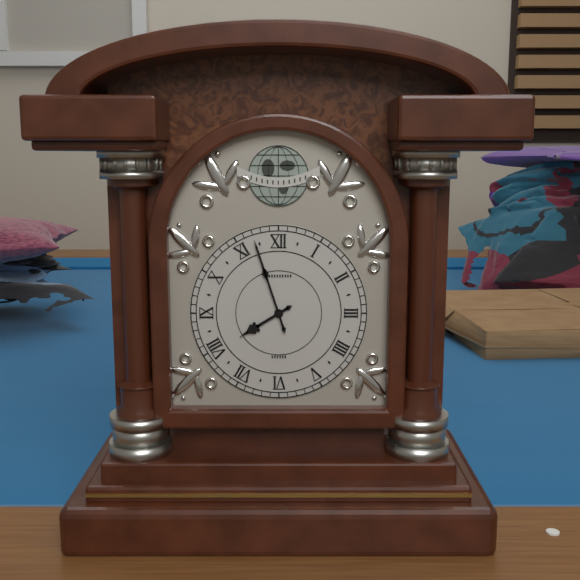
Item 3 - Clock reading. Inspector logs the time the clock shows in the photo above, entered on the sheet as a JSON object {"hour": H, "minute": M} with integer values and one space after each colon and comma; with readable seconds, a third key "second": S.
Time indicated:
{"hour": 7, "minute": 57}
